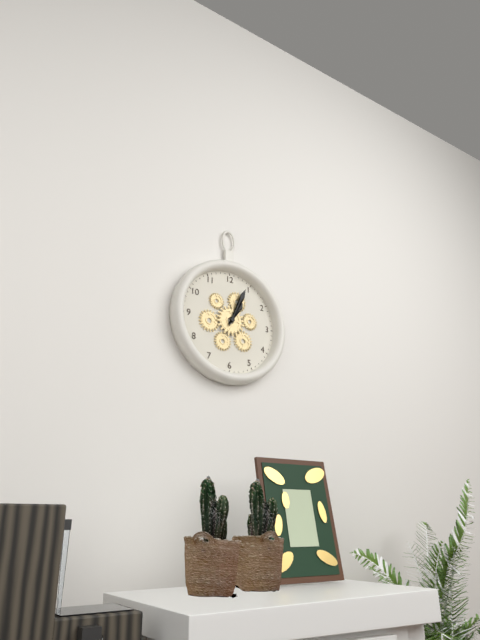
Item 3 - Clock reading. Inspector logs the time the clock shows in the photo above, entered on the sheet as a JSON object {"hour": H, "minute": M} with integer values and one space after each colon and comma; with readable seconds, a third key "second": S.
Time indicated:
{"hour": 1, "minute": 4}
